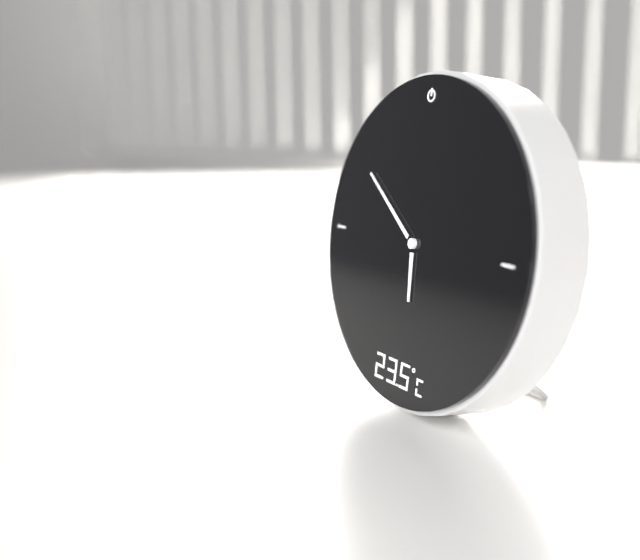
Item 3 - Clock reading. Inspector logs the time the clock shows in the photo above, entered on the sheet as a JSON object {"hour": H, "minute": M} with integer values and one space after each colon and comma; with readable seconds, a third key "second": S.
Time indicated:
{"hour": 5, "minute": 51}
